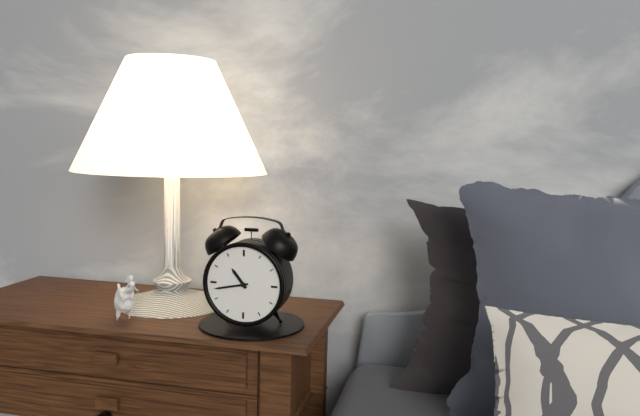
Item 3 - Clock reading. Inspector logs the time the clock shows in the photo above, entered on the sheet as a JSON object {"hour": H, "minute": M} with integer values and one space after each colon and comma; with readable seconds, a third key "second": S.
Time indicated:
{"hour": 10, "minute": 43}
